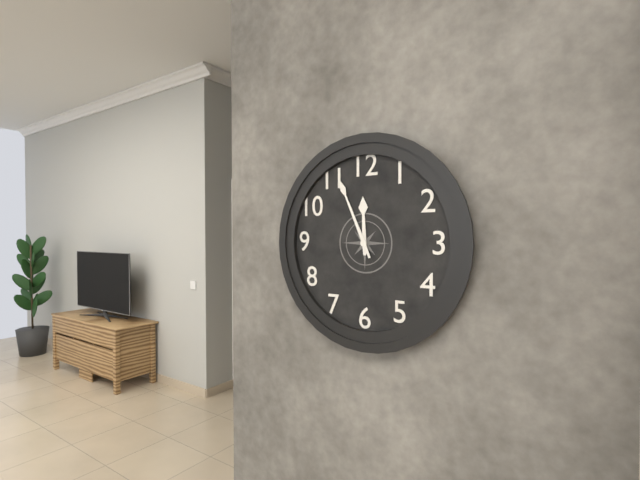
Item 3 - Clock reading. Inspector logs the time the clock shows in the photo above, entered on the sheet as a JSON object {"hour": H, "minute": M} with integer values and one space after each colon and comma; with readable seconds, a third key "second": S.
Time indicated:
{"hour": 11, "minute": 56}
